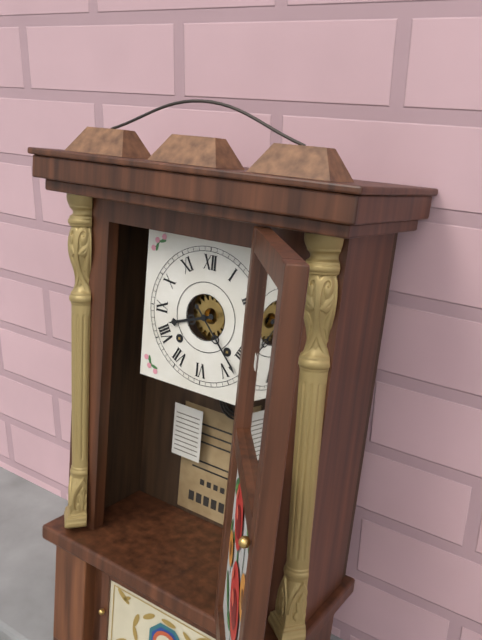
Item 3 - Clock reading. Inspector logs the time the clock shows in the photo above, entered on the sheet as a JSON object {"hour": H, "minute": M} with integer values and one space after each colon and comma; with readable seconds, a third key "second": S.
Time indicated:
{"hour": 8, "minute": 23}
